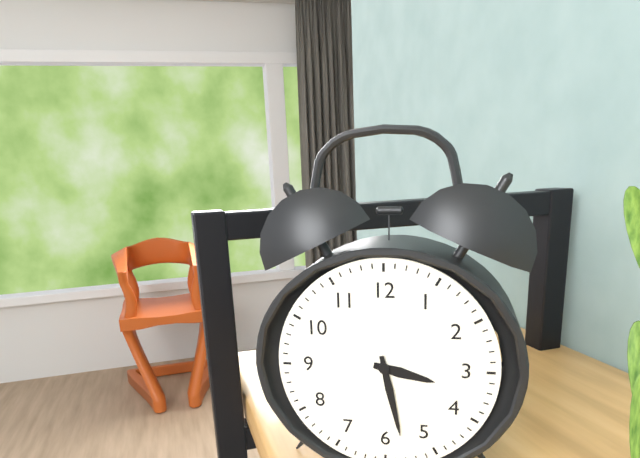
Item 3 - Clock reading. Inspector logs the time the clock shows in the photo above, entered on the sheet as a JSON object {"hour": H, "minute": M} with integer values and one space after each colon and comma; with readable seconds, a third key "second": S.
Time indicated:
{"hour": 3, "minute": 28}
